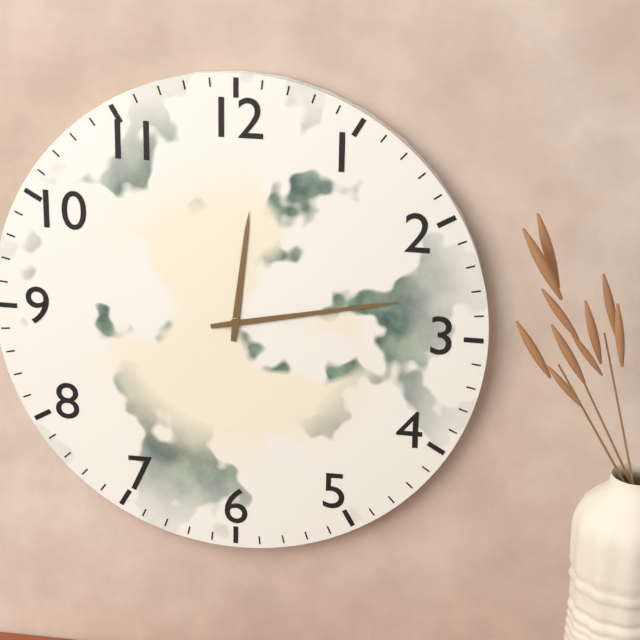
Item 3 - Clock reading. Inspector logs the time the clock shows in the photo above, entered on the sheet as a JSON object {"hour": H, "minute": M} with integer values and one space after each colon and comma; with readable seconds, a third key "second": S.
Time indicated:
{"hour": 12, "minute": 13}
